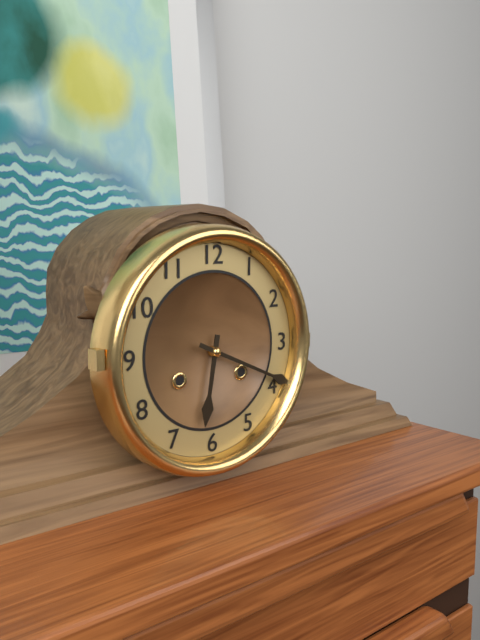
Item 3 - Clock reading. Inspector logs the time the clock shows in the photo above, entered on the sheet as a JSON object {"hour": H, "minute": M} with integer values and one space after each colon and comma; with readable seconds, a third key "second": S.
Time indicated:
{"hour": 6, "minute": 19}
